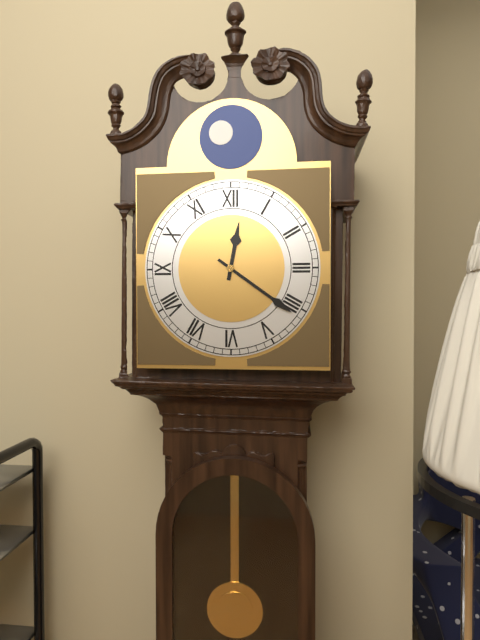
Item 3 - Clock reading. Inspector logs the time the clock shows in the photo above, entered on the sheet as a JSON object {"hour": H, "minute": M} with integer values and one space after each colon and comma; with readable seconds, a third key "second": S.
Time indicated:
{"hour": 12, "minute": 21}
